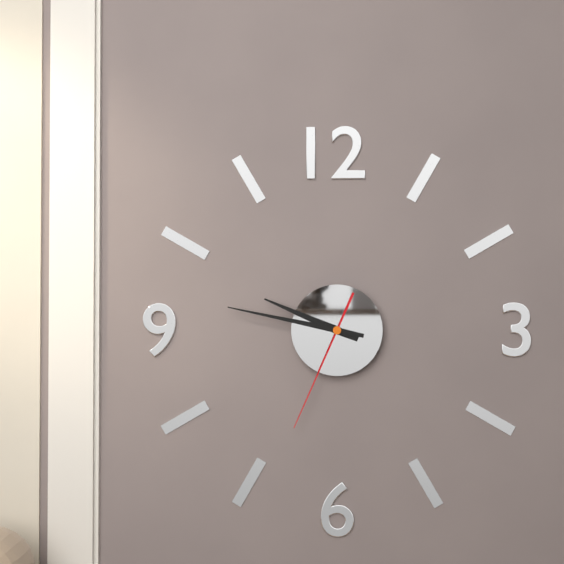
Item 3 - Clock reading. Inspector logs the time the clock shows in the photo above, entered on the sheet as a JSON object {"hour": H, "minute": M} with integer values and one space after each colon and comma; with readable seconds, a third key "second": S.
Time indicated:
{"hour": 9, "minute": 47, "second": 34}
